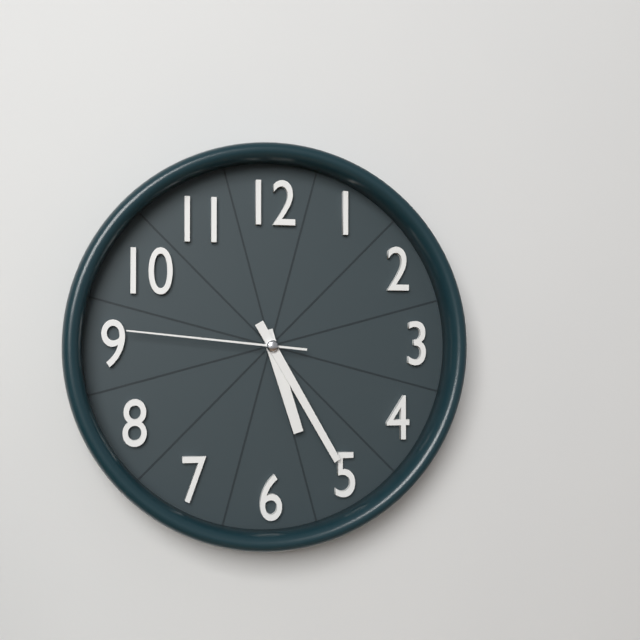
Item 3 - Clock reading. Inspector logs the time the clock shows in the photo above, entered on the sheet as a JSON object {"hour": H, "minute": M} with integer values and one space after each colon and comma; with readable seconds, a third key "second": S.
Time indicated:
{"hour": 5, "minute": 25, "second": 46}
